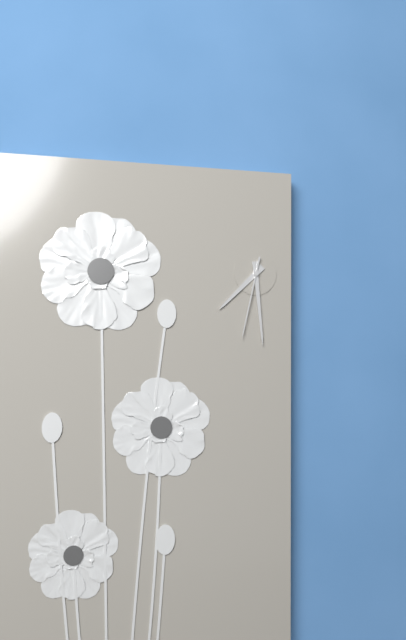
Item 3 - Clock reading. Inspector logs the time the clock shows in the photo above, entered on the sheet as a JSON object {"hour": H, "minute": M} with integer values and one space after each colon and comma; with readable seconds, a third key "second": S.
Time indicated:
{"hour": 7, "minute": 29, "second": 32}
